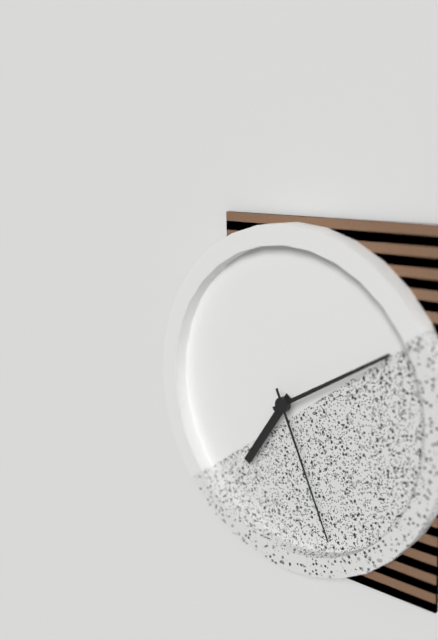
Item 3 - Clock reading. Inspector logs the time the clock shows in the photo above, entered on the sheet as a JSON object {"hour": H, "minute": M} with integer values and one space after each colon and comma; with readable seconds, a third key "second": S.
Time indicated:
{"hour": 7, "minute": 10, "second": 26}
